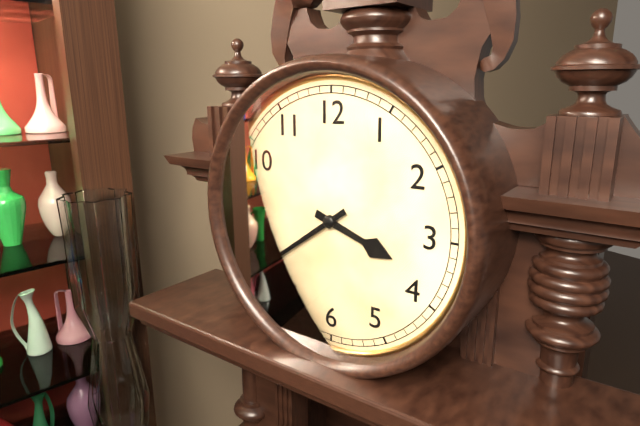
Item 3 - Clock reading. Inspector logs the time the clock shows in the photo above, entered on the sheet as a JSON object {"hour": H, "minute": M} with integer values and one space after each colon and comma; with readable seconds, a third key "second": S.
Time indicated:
{"hour": 3, "minute": 39}
